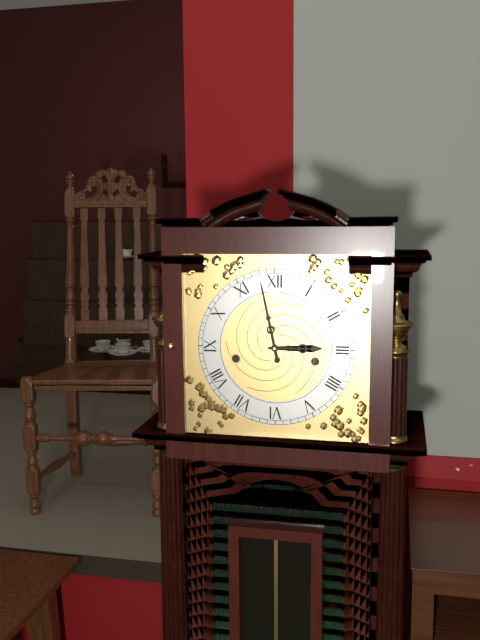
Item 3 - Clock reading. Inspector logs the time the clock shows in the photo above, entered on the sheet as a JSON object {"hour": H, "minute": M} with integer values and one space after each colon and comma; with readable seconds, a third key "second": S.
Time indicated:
{"hour": 2, "minute": 58}
